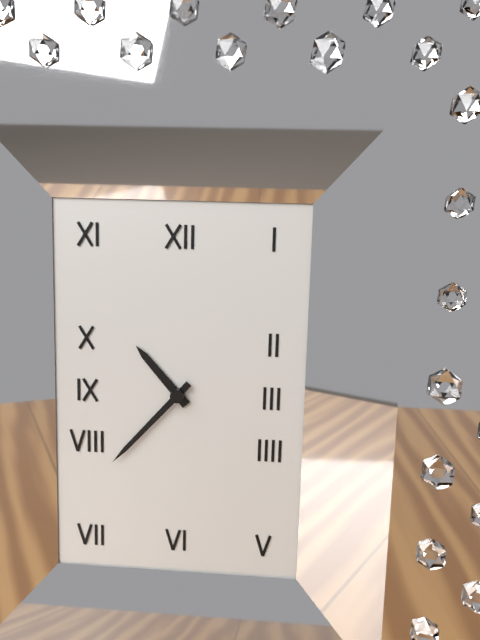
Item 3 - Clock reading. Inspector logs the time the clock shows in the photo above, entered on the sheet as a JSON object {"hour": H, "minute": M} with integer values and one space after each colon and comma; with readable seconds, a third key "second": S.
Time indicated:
{"hour": 10, "minute": 37}
